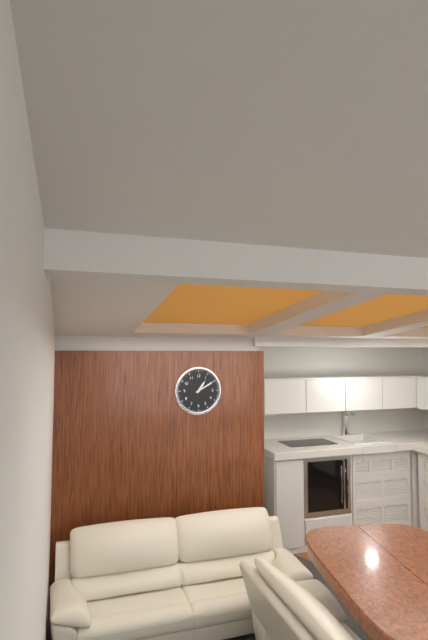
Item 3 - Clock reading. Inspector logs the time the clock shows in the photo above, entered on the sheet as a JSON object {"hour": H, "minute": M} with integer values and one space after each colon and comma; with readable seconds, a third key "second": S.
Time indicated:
{"hour": 1, "minute": 10}
